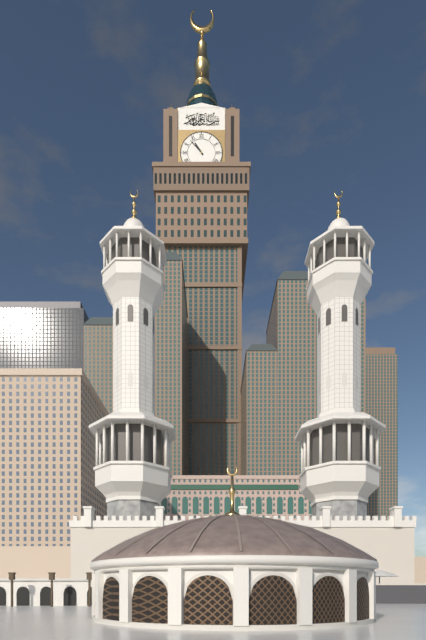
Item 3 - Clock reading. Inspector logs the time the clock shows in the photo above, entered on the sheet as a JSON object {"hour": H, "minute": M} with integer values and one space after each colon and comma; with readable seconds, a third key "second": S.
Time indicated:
{"hour": 10, "minute": 53}
